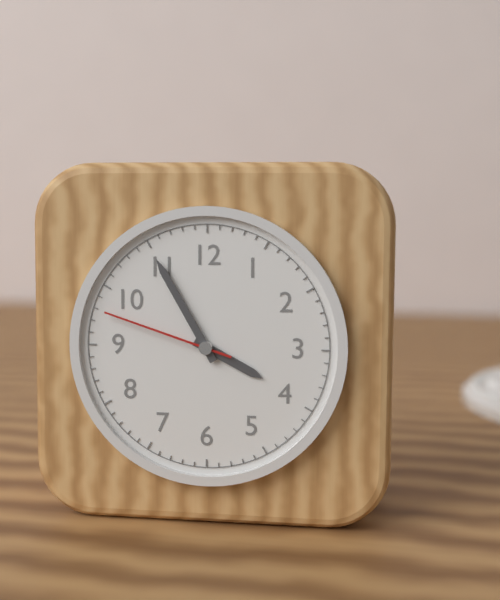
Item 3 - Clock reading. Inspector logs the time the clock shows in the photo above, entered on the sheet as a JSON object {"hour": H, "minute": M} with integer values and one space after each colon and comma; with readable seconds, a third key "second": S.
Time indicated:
{"hour": 3, "minute": 55, "second": 48}
